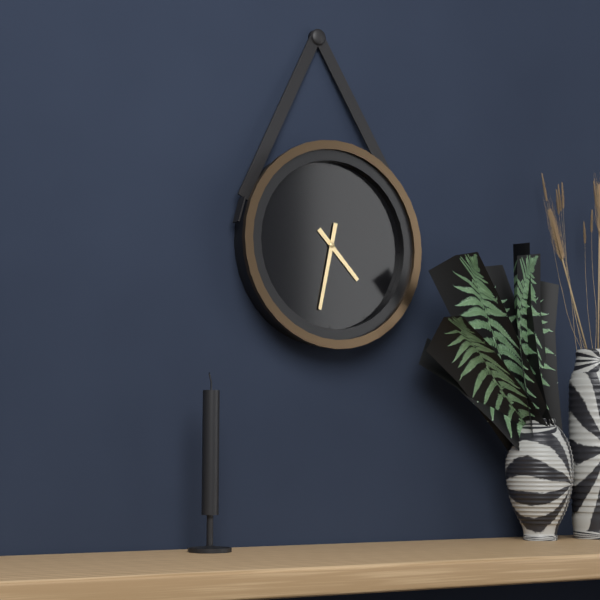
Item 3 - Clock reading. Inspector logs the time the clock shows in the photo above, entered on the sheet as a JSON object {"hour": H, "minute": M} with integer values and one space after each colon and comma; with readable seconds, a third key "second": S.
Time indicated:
{"hour": 4, "minute": 32}
